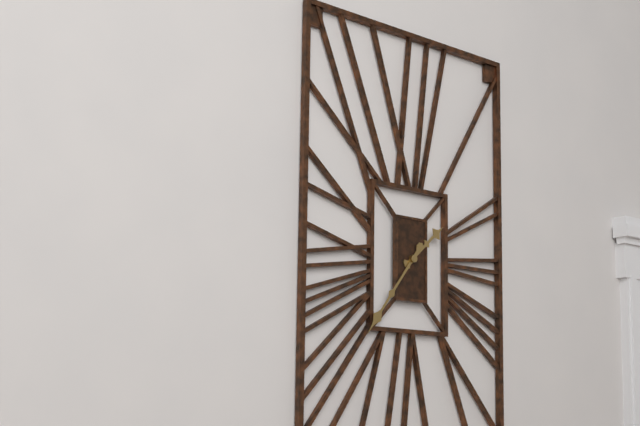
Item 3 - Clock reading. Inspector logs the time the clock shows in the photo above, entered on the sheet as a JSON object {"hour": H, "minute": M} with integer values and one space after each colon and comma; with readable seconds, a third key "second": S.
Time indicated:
{"hour": 1, "minute": 36}
